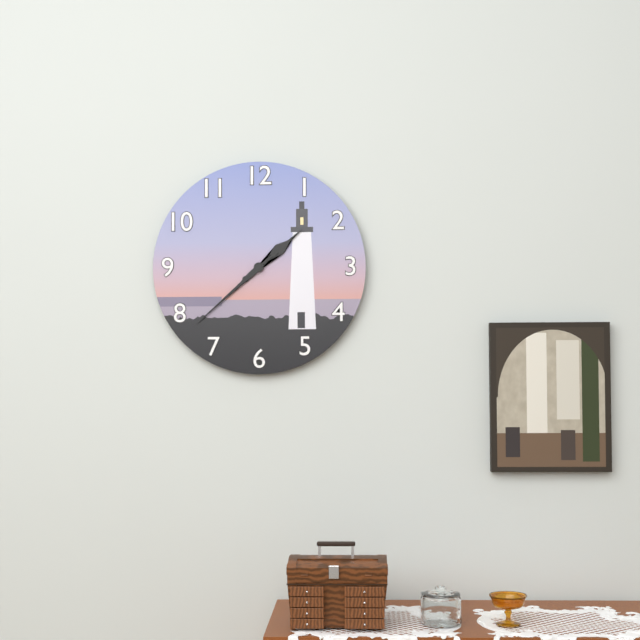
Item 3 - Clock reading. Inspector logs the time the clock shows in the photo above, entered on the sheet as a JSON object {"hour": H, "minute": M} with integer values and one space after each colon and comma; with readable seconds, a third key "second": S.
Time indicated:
{"hour": 1, "minute": 38}
